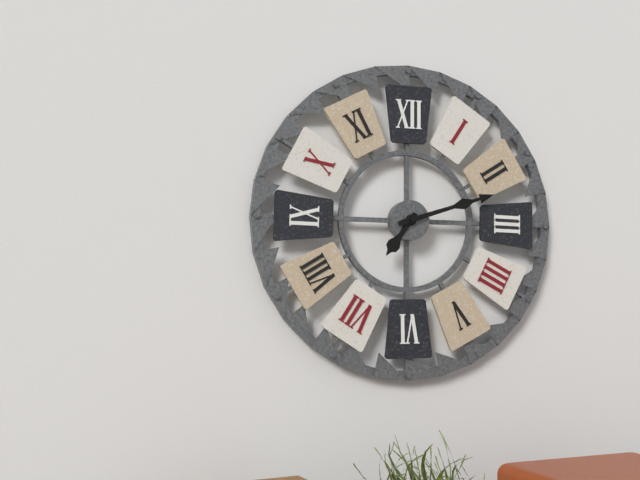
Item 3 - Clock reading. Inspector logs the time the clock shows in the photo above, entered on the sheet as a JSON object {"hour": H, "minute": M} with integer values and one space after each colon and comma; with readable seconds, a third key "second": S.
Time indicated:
{"hour": 7, "minute": 12}
